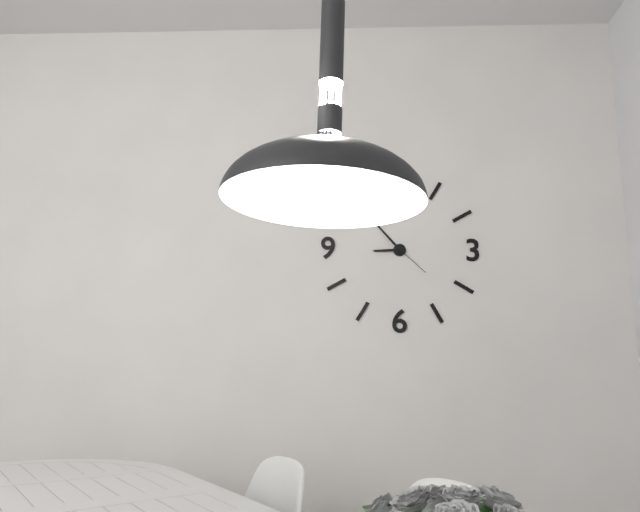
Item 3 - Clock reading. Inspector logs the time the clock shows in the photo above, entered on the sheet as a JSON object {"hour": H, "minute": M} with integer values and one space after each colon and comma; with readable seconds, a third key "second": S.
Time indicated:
{"hour": 8, "minute": 53}
